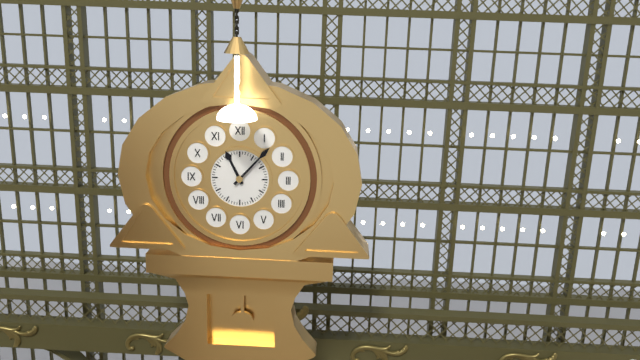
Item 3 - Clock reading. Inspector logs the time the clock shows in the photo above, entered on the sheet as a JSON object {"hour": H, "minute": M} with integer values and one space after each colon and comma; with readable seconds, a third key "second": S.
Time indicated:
{"hour": 11, "minute": 7}
